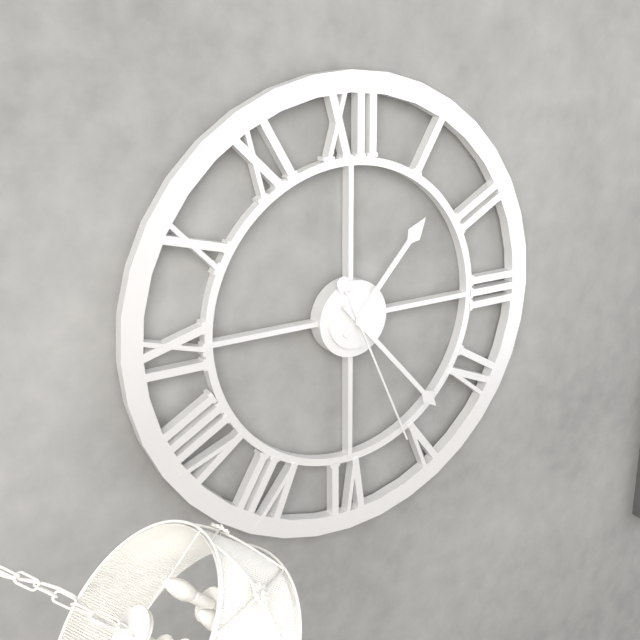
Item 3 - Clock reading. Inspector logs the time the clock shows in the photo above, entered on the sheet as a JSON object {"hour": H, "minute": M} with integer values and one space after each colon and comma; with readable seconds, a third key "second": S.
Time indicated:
{"hour": 1, "minute": 23, "second": 26}
